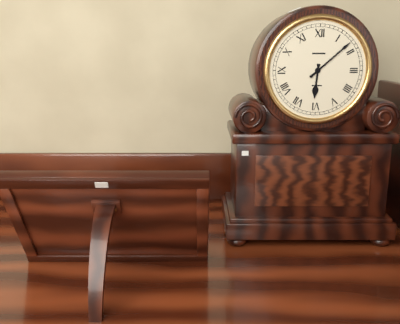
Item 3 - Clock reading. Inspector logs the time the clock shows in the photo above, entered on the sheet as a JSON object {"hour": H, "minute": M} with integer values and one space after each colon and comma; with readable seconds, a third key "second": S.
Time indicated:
{"hour": 6, "minute": 8}
